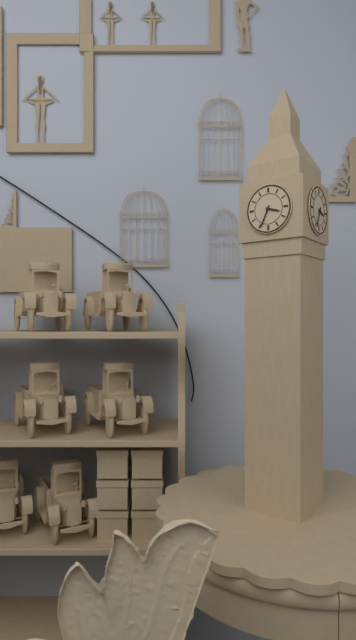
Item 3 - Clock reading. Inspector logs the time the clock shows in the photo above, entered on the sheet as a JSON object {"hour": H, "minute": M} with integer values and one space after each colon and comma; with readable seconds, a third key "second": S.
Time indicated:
{"hour": 3, "minute": 34}
